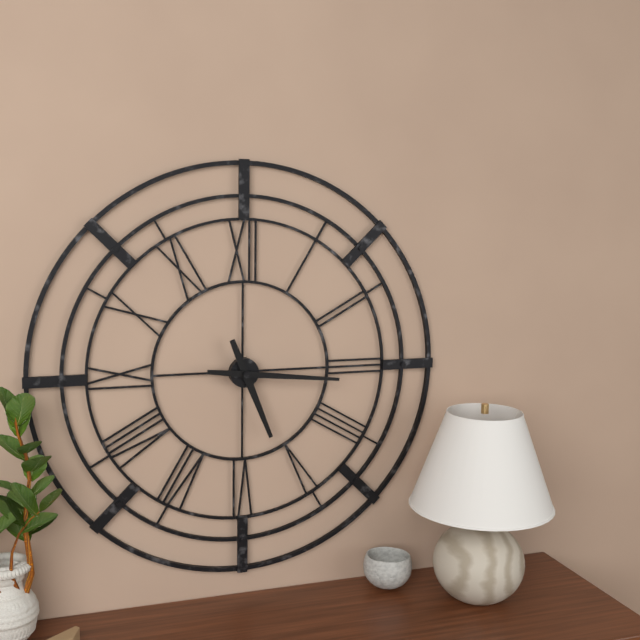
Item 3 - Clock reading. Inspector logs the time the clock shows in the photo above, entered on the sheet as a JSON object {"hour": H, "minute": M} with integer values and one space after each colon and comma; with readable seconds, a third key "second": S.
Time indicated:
{"hour": 5, "minute": 16}
